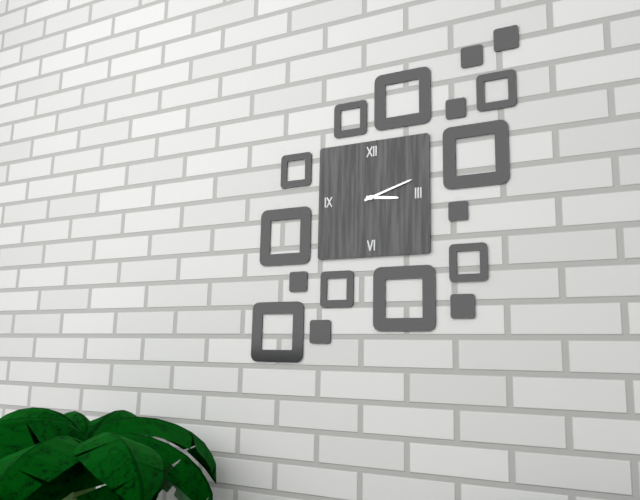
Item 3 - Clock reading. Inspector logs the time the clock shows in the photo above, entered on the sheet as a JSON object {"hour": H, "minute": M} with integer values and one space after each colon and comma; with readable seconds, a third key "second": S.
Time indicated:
{"hour": 3, "minute": 12}
